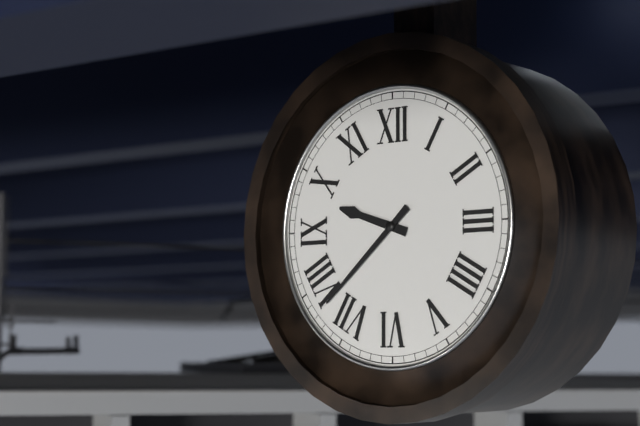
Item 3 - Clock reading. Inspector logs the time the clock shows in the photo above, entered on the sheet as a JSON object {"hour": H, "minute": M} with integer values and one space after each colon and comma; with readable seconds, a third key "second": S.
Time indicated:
{"hour": 9, "minute": 38}
